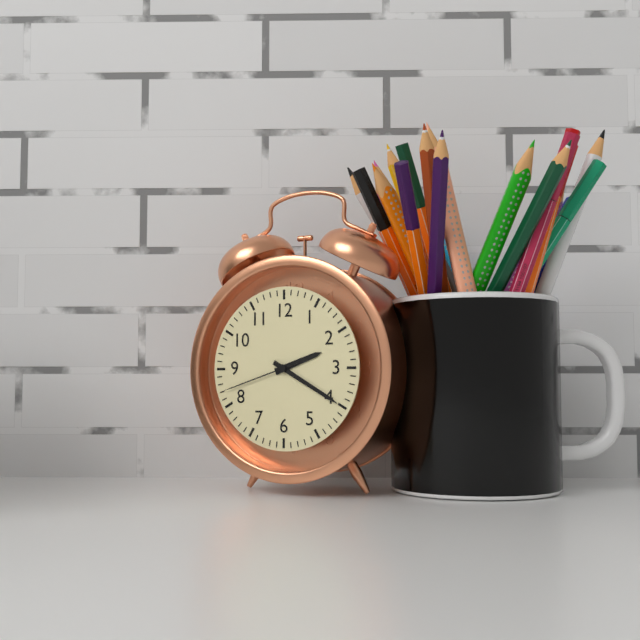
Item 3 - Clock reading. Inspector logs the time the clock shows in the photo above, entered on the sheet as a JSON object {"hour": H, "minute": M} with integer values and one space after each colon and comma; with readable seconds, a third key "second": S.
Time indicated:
{"hour": 2, "minute": 20, "second": 42}
